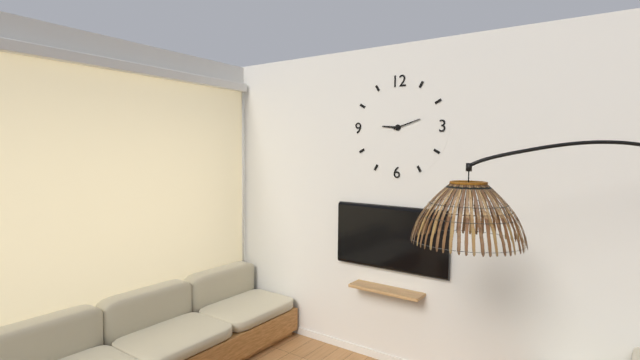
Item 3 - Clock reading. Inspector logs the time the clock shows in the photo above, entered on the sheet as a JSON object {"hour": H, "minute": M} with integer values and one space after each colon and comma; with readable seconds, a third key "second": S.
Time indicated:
{"hour": 9, "minute": 12}
